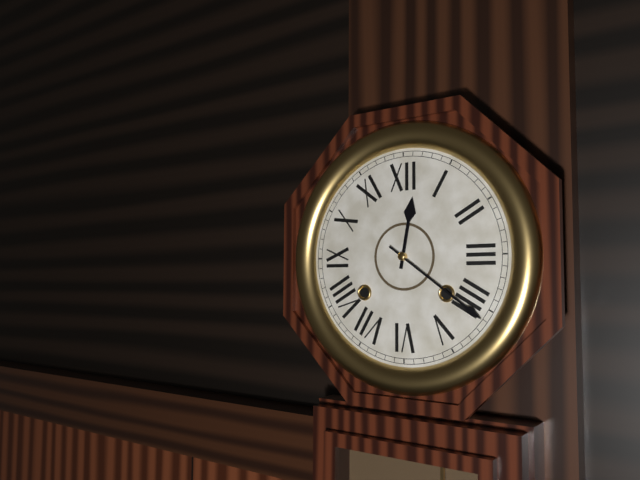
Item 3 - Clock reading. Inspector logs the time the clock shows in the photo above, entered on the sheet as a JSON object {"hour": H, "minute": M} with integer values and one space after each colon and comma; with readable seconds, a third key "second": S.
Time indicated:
{"hour": 12, "minute": 21}
